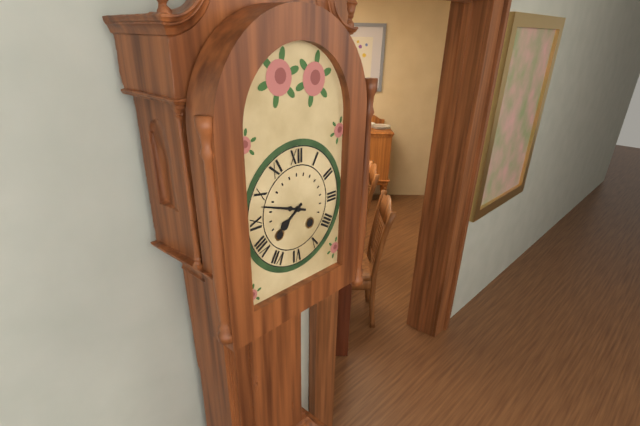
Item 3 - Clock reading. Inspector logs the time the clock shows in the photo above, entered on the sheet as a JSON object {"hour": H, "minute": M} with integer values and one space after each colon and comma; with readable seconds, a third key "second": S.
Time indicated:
{"hour": 7, "minute": 48}
